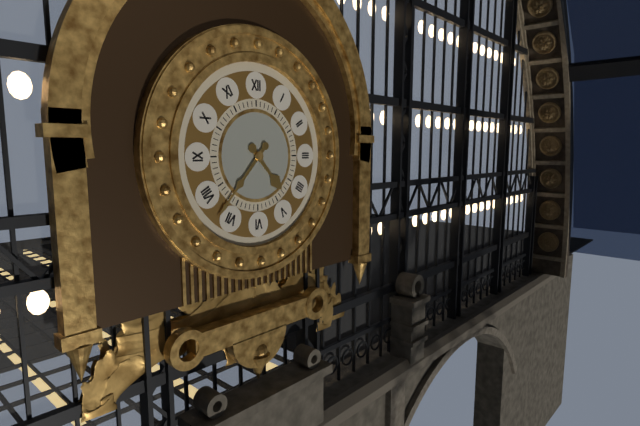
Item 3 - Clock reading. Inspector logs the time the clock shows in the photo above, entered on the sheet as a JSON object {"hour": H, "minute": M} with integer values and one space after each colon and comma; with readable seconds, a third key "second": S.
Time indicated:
{"hour": 4, "minute": 37}
